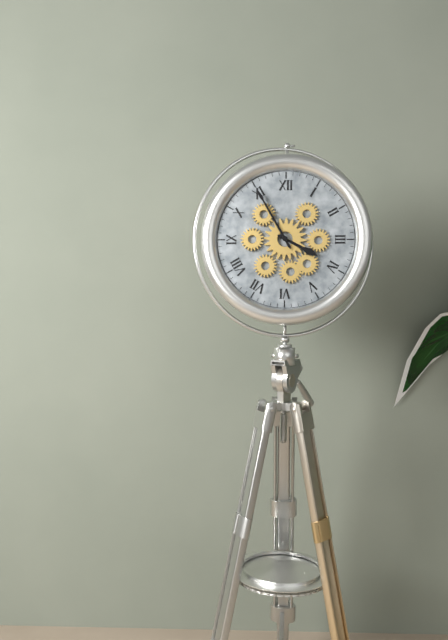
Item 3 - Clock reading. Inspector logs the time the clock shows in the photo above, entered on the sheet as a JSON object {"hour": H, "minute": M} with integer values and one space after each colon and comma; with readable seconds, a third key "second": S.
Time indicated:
{"hour": 3, "minute": 55}
